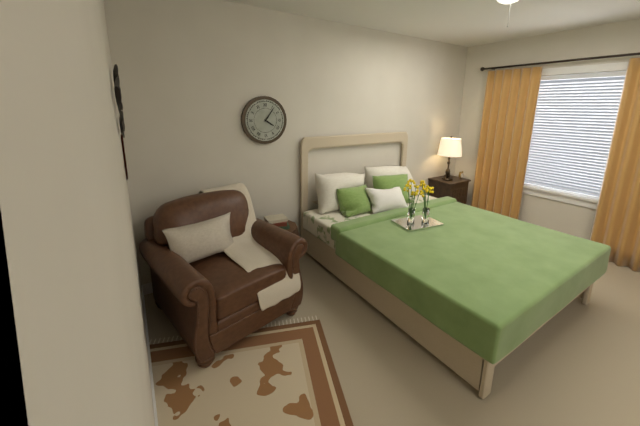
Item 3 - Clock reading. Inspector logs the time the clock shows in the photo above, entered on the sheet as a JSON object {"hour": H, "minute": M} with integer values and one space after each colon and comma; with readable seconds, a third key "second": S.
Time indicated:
{"hour": 4, "minute": 6}
